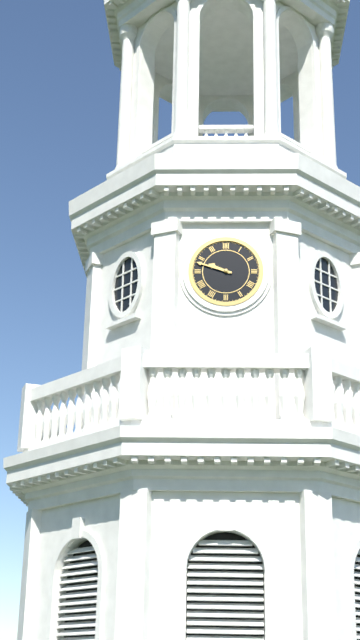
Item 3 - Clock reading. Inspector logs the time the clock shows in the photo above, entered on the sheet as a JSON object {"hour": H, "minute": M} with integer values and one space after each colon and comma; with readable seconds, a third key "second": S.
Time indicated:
{"hour": 9, "minute": 48}
